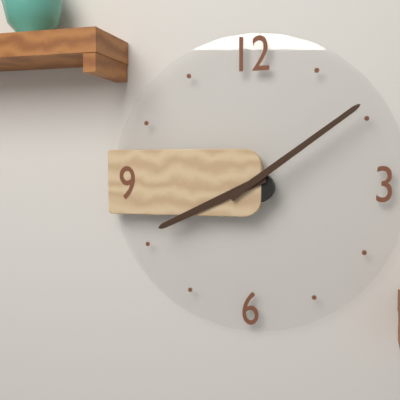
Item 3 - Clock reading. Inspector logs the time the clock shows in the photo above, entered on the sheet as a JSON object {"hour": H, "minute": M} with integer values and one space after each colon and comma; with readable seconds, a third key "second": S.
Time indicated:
{"hour": 8, "minute": 9}
